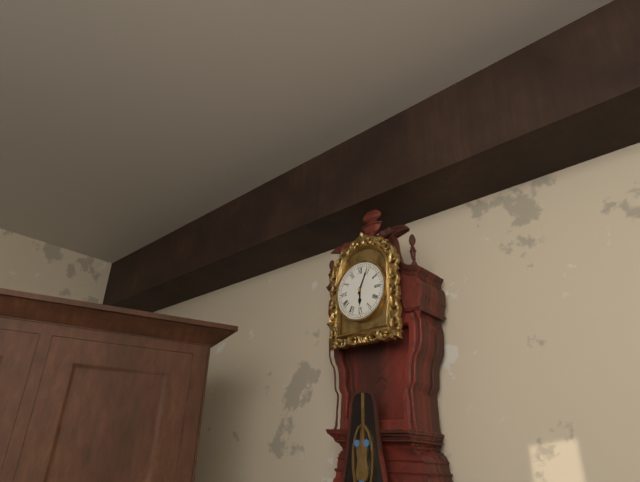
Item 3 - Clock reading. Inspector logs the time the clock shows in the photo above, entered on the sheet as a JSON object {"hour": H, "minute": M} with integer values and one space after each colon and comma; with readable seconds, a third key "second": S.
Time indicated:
{"hour": 6, "minute": 4}
